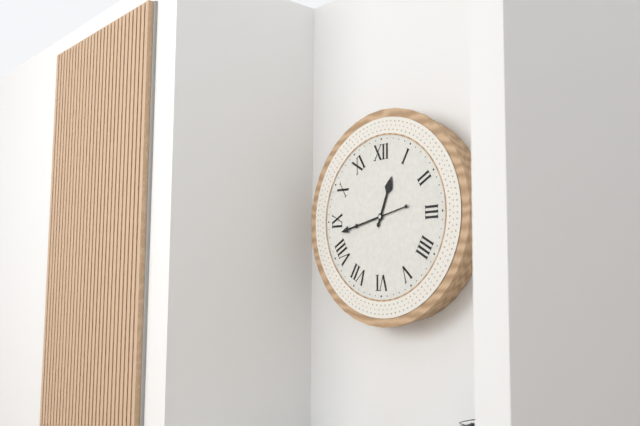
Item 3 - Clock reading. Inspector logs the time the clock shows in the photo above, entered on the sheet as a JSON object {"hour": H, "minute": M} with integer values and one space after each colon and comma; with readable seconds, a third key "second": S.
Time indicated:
{"hour": 12, "minute": 43}
